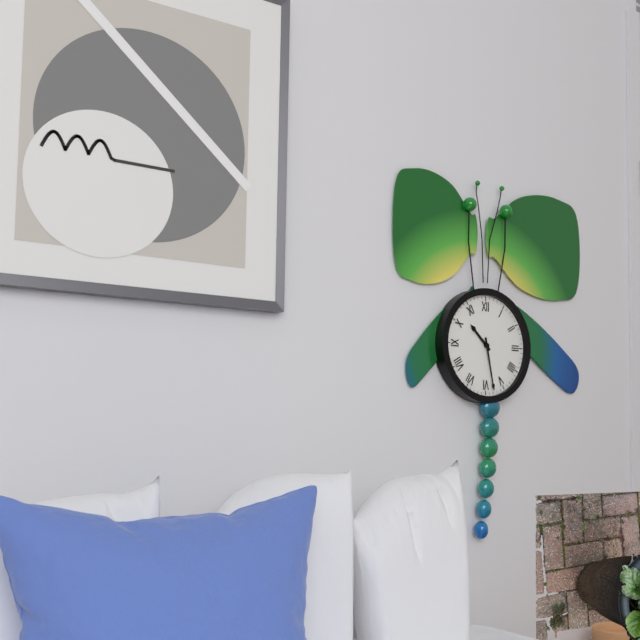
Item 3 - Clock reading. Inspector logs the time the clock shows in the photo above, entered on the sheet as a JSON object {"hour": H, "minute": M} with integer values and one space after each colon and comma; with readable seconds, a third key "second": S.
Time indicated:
{"hour": 10, "minute": 28}
